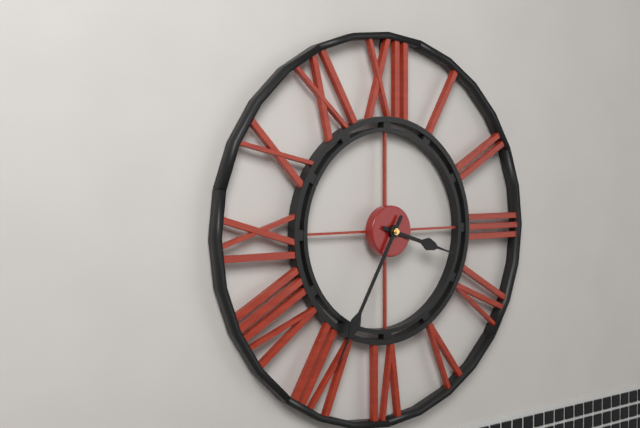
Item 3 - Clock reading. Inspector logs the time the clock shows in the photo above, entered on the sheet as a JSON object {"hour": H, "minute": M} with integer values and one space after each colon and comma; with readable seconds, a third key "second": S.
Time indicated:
{"hour": 3, "minute": 35}
